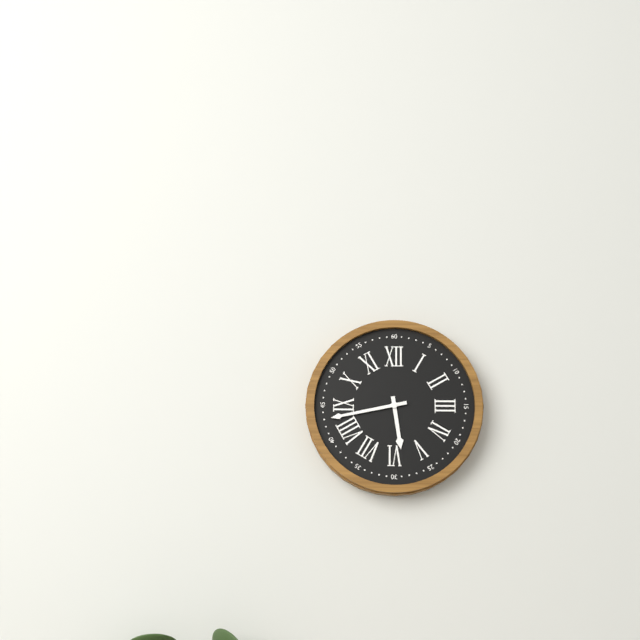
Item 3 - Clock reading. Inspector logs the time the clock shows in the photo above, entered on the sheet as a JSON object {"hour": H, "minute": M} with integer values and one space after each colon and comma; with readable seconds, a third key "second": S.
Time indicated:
{"hour": 5, "minute": 43}
